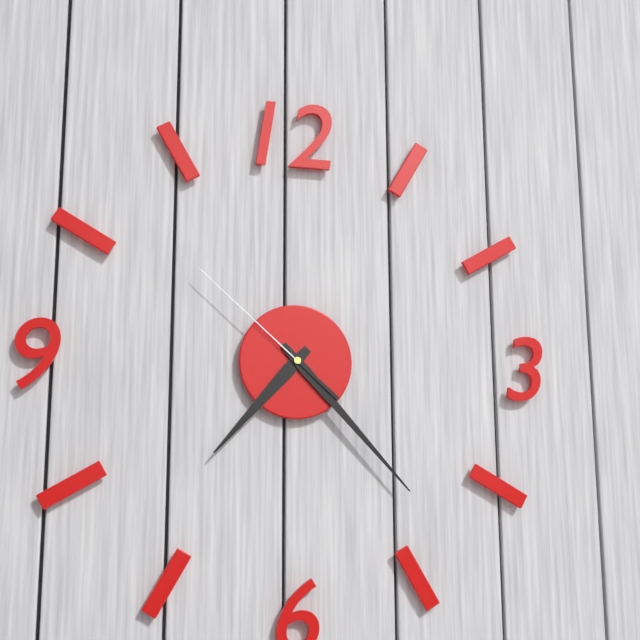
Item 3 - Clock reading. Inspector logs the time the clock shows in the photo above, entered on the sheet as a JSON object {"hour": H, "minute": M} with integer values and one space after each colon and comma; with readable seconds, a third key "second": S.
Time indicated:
{"hour": 7, "minute": 23, "second": 52}
